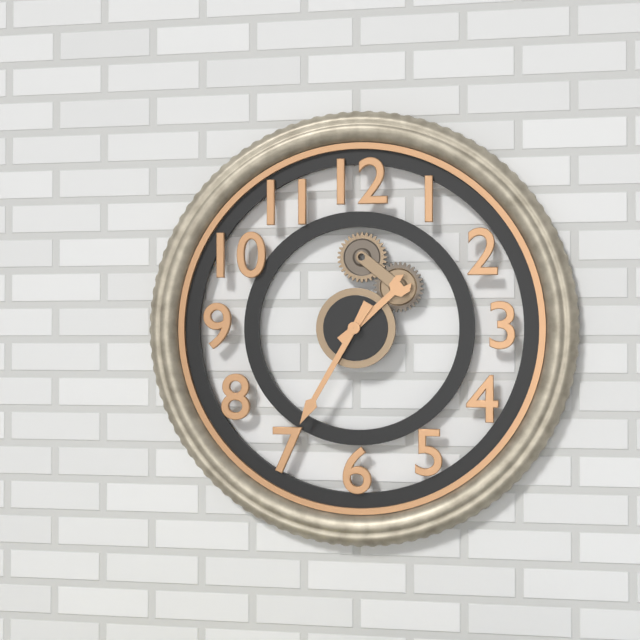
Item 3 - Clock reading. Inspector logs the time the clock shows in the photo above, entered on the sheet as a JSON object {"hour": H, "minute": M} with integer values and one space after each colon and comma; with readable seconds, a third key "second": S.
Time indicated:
{"hour": 1, "minute": 35}
